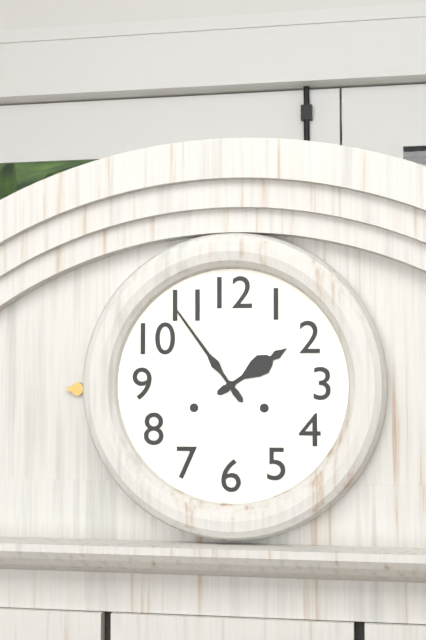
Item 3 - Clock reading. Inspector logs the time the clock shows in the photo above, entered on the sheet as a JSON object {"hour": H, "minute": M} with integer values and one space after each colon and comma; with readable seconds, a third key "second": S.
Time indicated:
{"hour": 1, "minute": 54}
